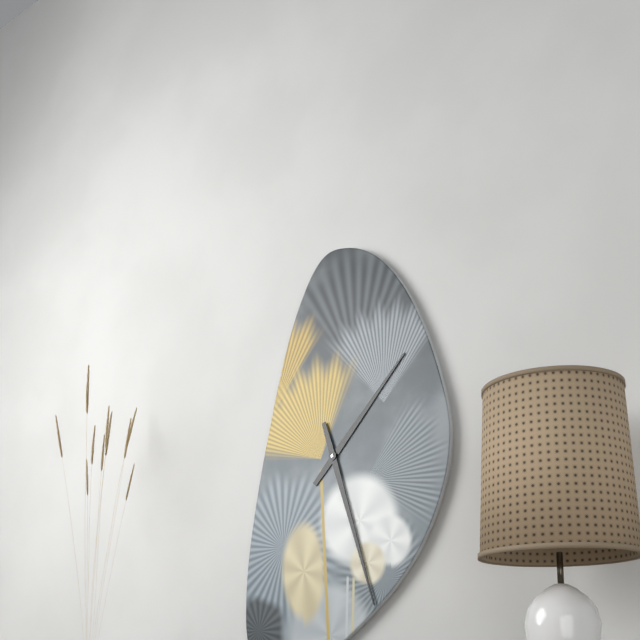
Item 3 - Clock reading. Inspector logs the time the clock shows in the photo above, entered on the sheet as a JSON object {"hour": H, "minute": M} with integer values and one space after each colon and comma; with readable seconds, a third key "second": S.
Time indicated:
{"hour": 1, "minute": 27}
